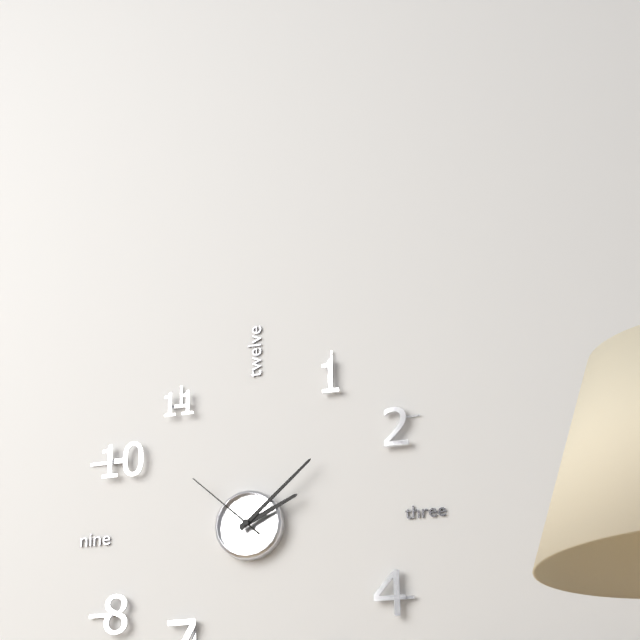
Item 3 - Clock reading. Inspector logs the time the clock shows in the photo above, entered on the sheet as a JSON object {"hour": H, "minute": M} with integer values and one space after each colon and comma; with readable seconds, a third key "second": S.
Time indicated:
{"hour": 2, "minute": 8, "second": 52}
